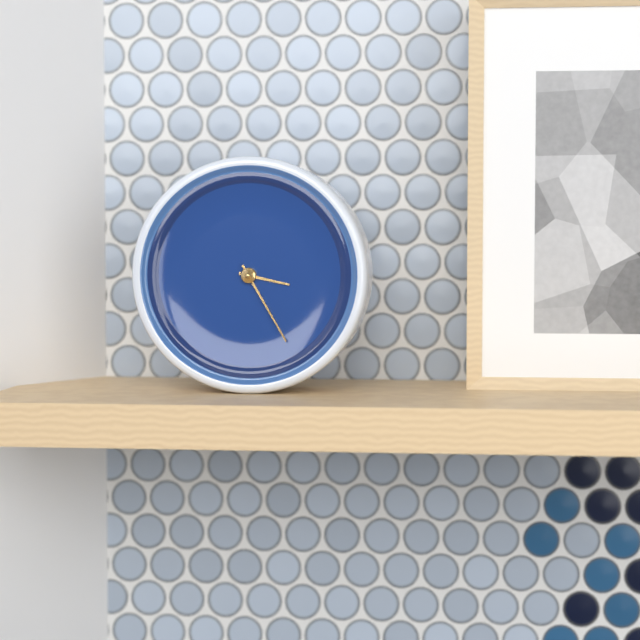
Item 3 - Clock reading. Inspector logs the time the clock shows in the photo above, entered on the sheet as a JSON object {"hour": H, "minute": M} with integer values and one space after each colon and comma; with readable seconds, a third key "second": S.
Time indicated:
{"hour": 3, "minute": 25}
